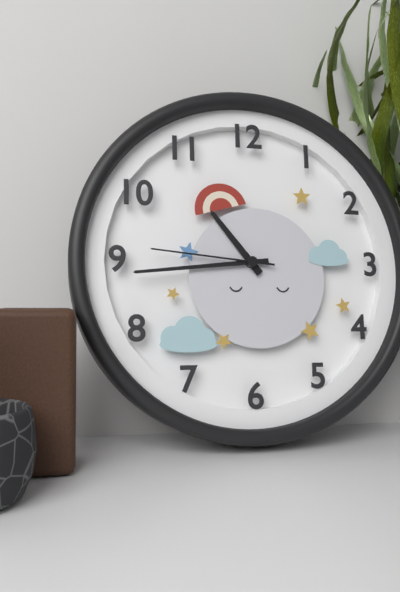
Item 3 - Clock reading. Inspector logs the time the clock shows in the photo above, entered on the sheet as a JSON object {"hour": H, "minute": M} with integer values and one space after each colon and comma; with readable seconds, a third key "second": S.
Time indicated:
{"hour": 10, "minute": 44, "second": 46}
